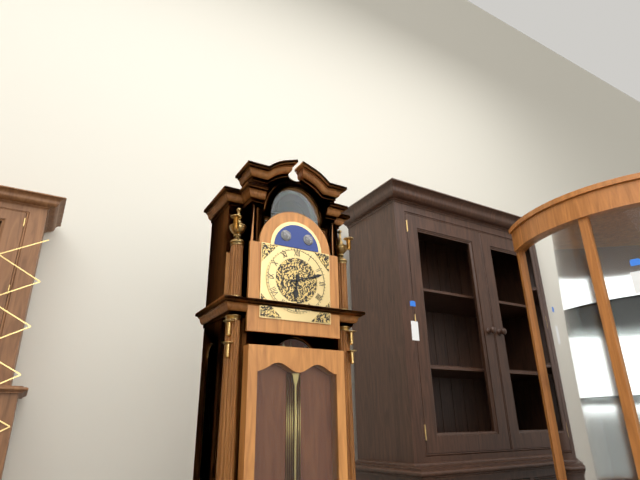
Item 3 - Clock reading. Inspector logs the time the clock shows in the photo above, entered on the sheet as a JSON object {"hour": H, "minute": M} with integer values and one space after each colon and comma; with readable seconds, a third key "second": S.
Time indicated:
{"hour": 6, "minute": 12}
